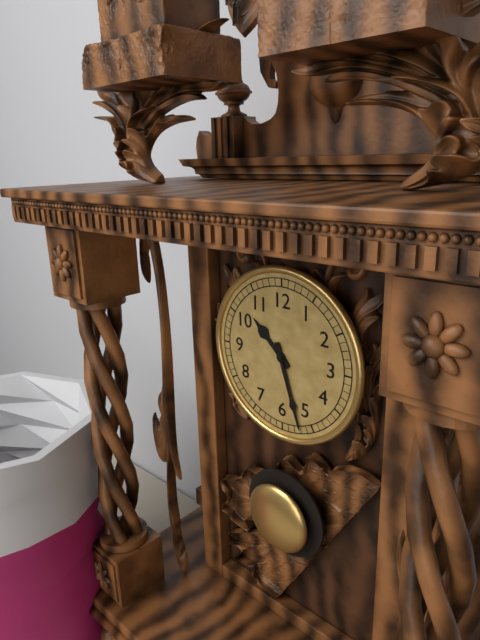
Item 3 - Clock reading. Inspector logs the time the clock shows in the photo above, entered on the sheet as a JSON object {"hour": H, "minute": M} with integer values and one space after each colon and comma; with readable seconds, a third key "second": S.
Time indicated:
{"hour": 10, "minute": 27}
